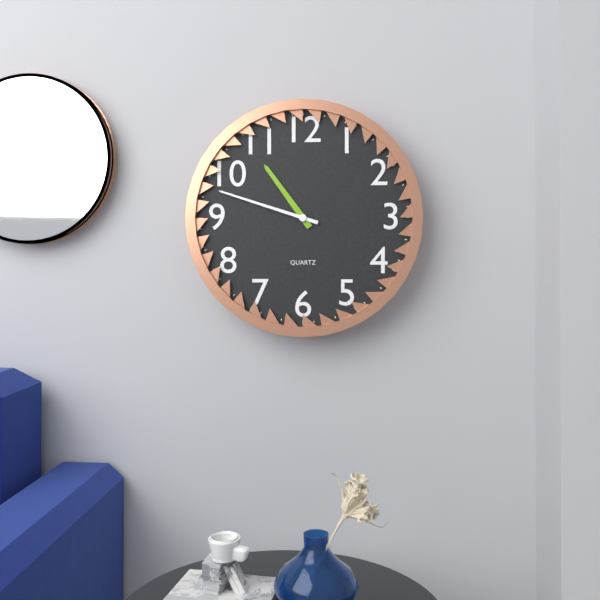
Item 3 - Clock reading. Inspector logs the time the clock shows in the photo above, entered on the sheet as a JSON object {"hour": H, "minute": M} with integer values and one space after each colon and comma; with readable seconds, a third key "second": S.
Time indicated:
{"hour": 10, "minute": 48}
